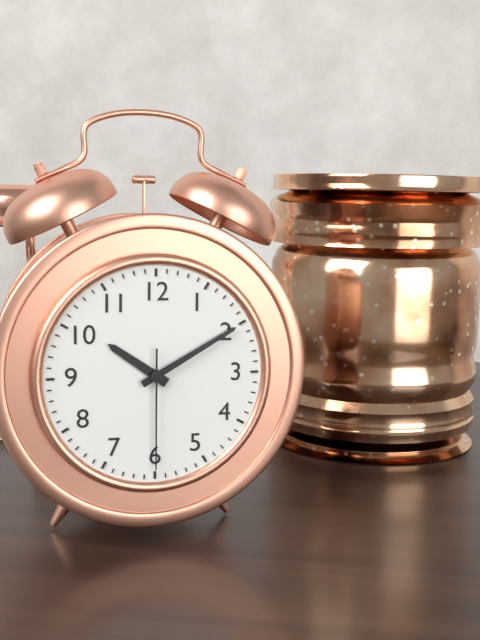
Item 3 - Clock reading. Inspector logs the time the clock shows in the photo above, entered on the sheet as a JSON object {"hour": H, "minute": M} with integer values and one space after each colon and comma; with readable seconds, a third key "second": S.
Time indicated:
{"hour": 10, "minute": 10, "second": 30}
